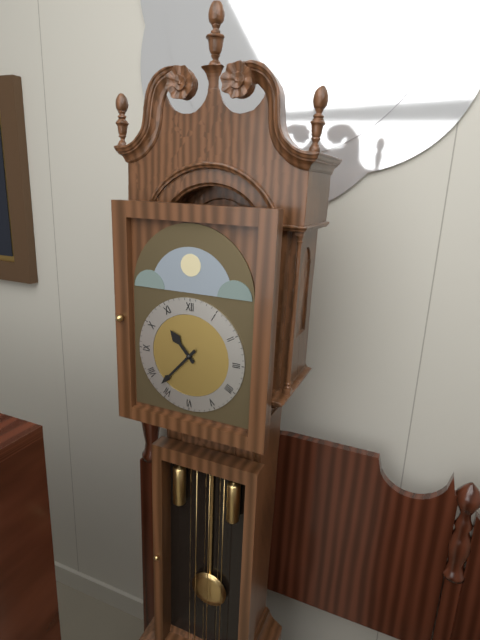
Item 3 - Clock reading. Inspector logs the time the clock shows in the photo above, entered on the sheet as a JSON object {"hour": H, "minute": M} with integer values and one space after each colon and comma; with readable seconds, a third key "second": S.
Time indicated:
{"hour": 10, "minute": 37}
